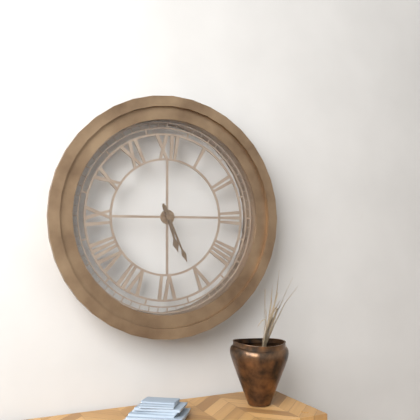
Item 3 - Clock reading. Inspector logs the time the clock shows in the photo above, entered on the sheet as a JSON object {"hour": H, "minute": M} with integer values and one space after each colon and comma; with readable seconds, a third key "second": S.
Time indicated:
{"hour": 5, "minute": 26}
